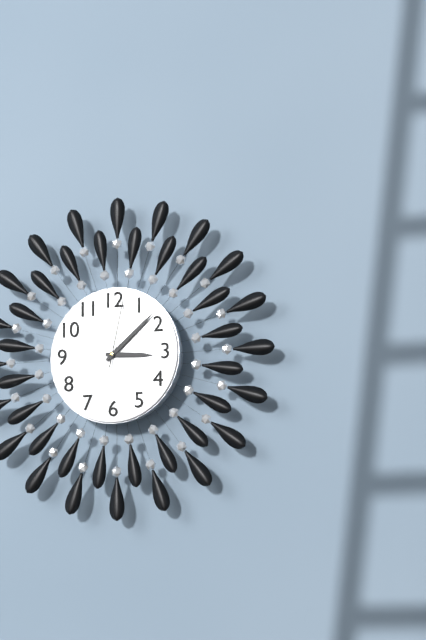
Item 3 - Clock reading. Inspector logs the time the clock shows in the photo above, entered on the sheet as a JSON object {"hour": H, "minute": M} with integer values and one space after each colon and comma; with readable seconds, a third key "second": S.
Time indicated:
{"hour": 3, "minute": 8, "second": 2}
